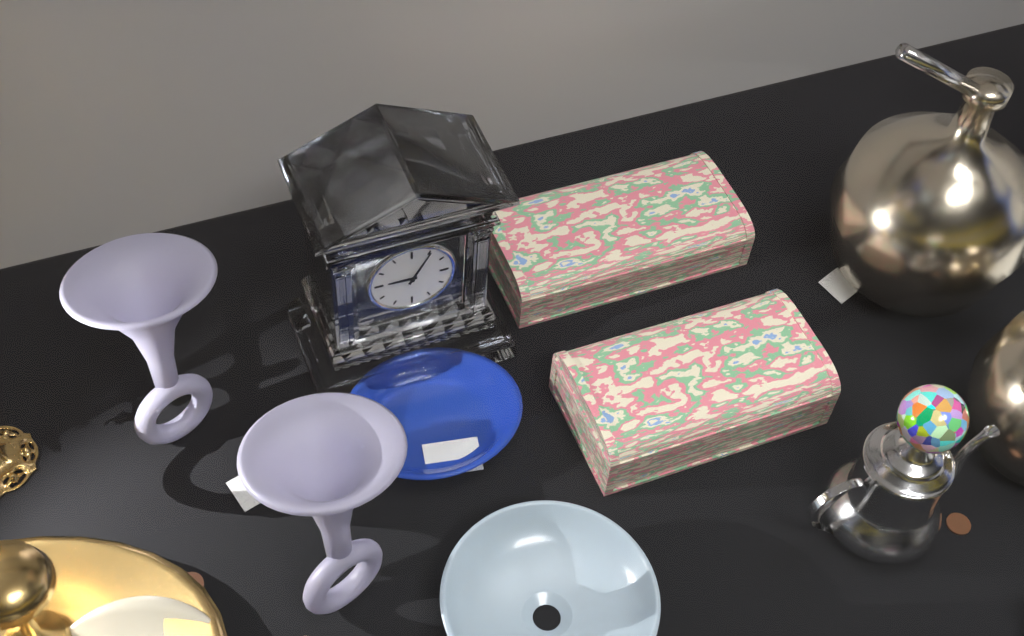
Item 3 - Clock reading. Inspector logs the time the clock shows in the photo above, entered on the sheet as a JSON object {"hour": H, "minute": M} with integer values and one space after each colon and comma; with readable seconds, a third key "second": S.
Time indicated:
{"hour": 9, "minute": 5}
